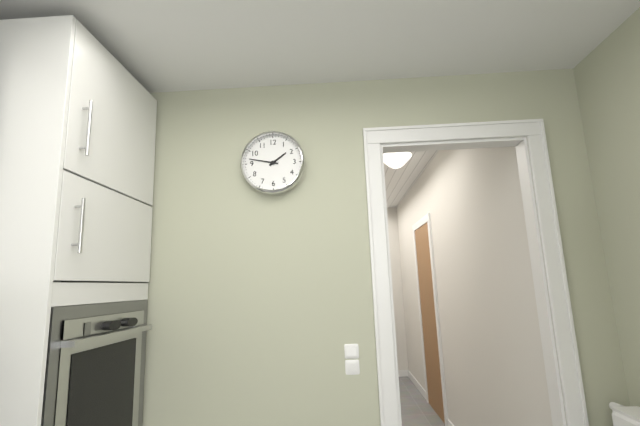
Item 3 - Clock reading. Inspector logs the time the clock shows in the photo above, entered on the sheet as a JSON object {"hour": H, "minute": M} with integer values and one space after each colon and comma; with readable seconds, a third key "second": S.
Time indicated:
{"hour": 1, "minute": 47}
